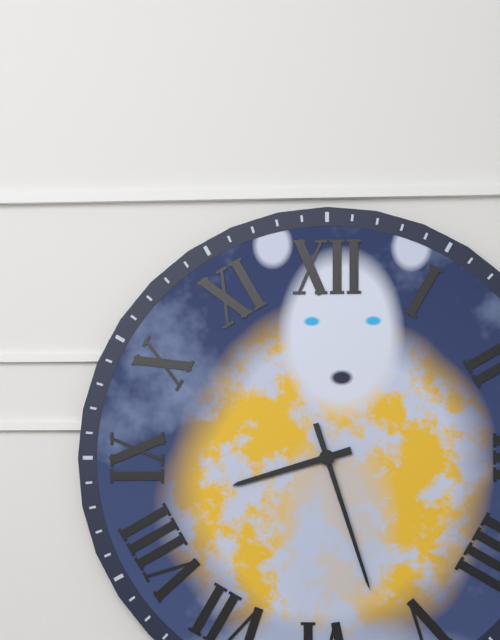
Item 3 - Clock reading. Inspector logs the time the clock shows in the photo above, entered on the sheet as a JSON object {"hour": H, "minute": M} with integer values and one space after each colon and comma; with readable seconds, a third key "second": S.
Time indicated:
{"hour": 8, "minute": 27}
